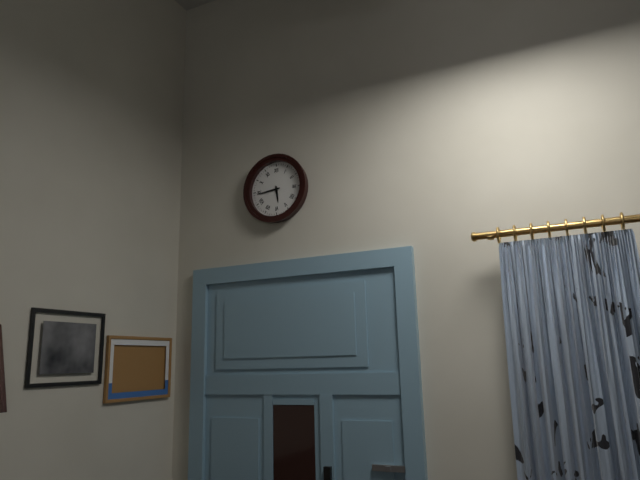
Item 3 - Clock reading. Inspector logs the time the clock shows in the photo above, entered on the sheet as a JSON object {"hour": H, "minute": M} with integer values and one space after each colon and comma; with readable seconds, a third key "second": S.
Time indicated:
{"hour": 5, "minute": 44}
